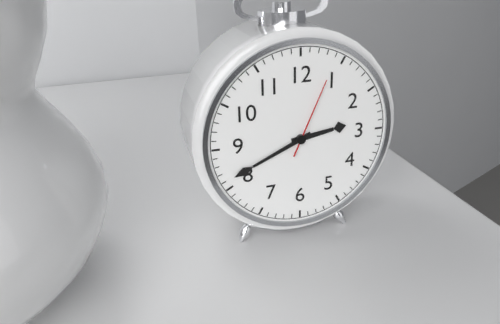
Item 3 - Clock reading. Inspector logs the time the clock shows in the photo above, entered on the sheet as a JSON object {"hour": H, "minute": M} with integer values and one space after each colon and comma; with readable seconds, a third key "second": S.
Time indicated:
{"hour": 2, "minute": 41, "second": 4}
